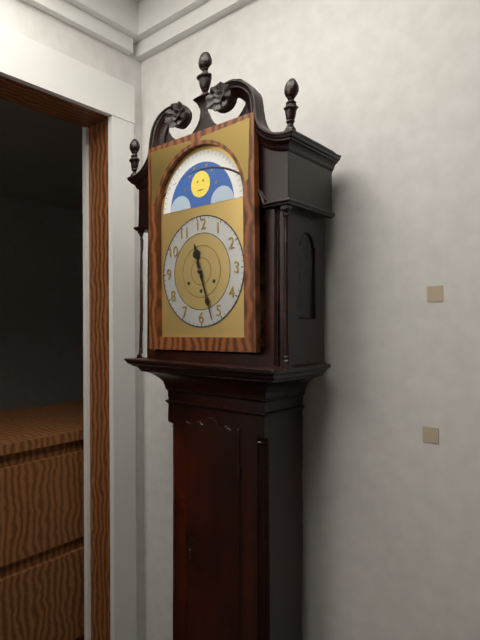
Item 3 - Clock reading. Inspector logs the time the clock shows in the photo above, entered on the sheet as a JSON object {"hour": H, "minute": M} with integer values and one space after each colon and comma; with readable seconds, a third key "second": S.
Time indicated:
{"hour": 11, "minute": 27}
